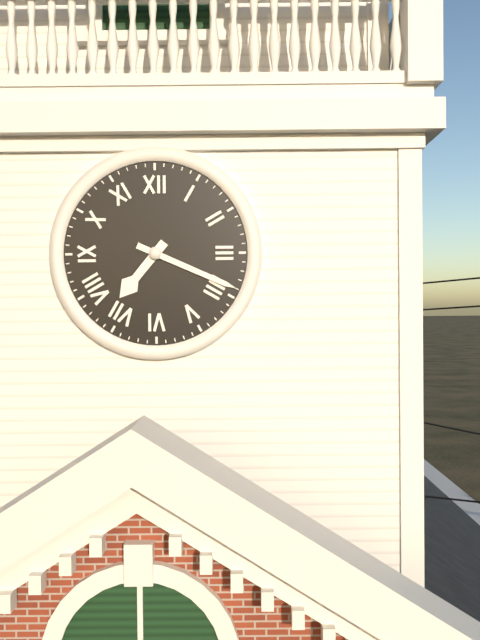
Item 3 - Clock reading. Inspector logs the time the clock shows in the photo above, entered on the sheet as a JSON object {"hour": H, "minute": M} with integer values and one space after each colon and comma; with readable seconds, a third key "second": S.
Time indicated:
{"hour": 7, "minute": 19}
